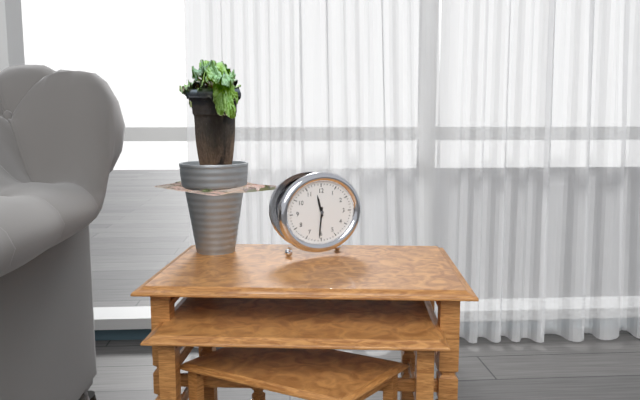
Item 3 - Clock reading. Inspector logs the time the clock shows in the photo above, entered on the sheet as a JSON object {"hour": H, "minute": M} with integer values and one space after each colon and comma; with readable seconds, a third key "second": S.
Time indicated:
{"hour": 11, "minute": 31}
